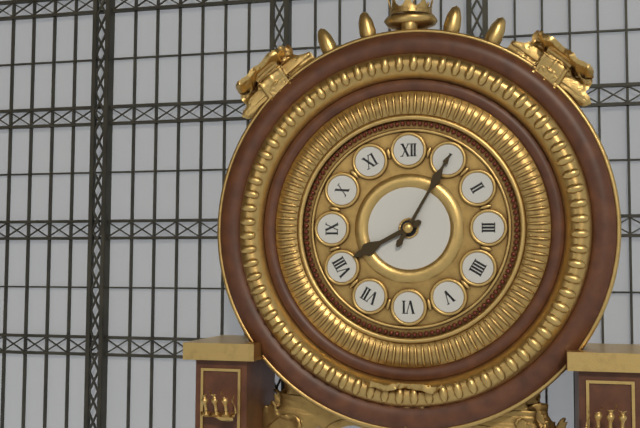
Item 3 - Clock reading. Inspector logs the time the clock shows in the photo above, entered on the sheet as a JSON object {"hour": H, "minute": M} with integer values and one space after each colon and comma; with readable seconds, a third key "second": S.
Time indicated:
{"hour": 8, "minute": 5}
